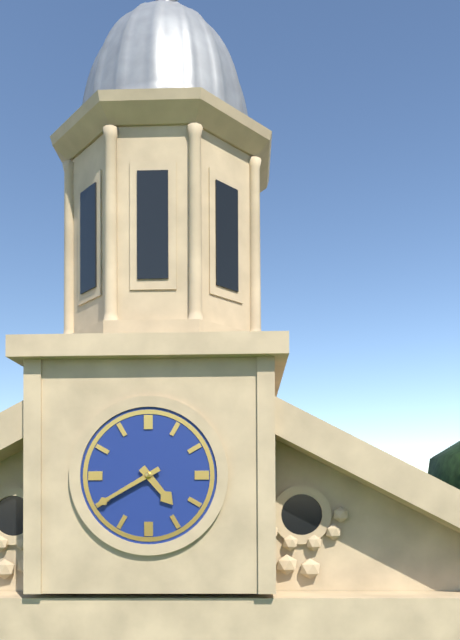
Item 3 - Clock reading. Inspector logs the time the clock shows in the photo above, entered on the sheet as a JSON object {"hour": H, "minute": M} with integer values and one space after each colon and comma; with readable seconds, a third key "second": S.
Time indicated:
{"hour": 4, "minute": 40}
